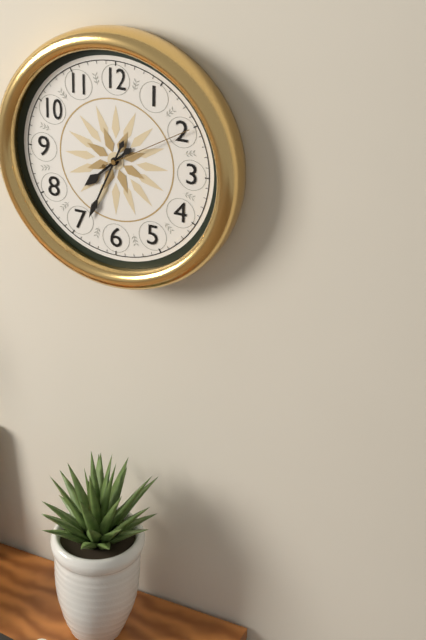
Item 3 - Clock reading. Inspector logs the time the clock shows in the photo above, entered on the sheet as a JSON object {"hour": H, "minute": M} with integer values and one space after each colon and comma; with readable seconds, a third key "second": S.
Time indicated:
{"hour": 7, "minute": 34, "second": 10}
